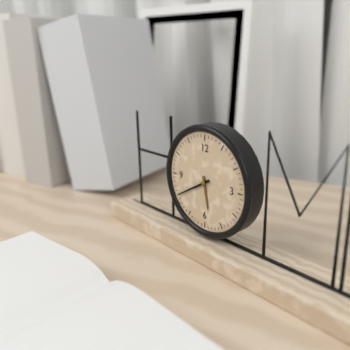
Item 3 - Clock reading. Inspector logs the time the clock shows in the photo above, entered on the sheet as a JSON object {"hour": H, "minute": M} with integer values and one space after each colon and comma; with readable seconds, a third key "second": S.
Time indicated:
{"hour": 5, "minute": 40}
